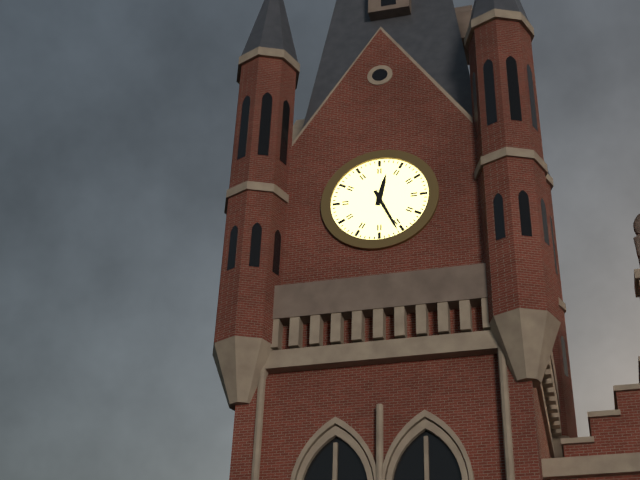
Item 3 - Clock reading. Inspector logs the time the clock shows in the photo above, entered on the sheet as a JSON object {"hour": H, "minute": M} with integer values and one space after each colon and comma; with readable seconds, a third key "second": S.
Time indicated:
{"hour": 12, "minute": 26}
